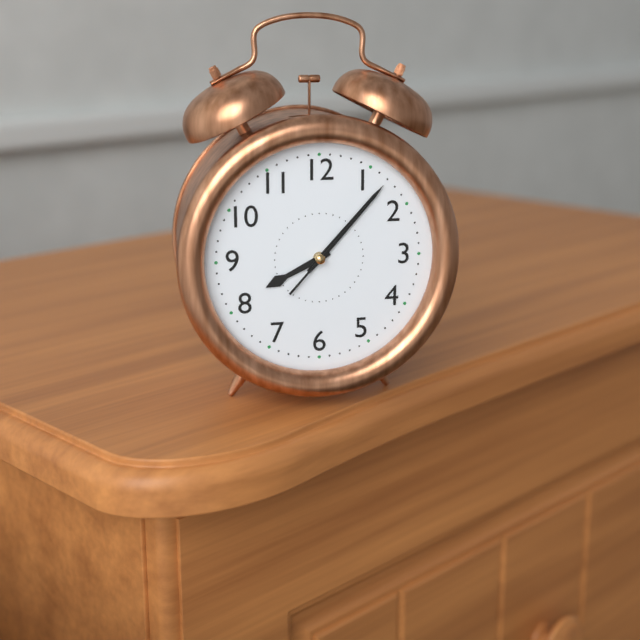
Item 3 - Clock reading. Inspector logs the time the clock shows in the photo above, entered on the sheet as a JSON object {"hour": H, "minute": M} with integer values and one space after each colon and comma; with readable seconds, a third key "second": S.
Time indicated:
{"hour": 8, "minute": 7, "second": 7}
